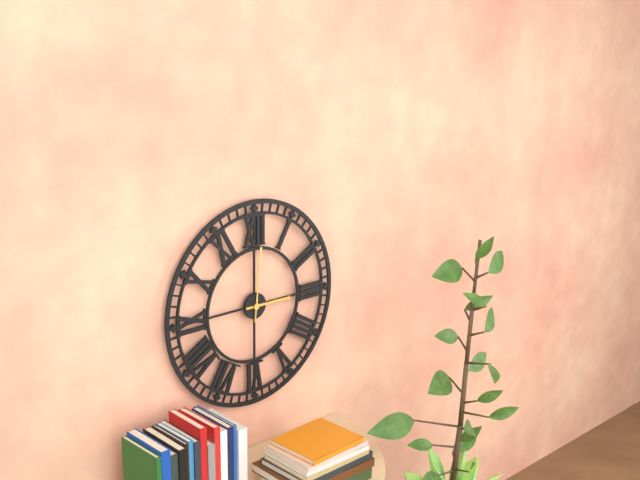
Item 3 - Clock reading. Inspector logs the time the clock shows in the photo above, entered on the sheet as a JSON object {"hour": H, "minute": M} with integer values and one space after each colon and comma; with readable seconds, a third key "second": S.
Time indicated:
{"hour": 3, "minute": 1}
